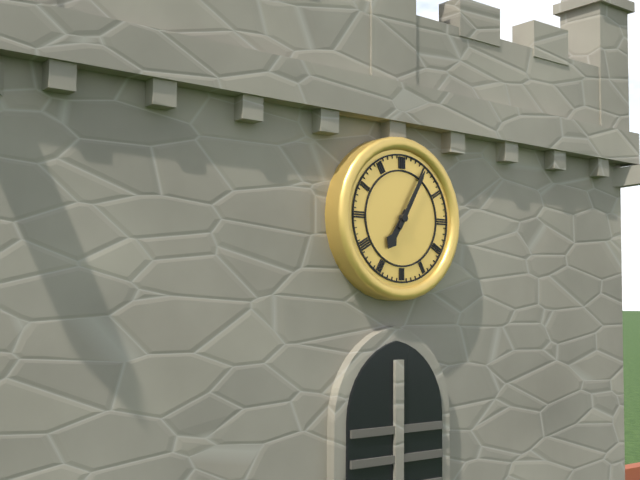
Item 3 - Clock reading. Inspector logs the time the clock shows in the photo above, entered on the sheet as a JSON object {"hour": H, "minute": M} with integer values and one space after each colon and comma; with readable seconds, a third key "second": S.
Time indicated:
{"hour": 7, "minute": 5}
